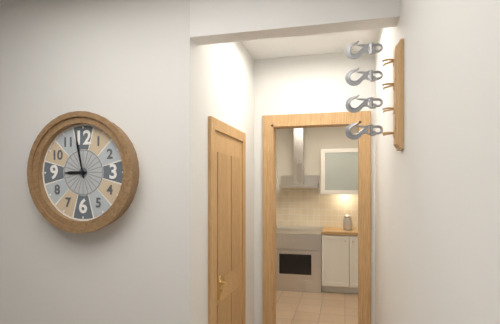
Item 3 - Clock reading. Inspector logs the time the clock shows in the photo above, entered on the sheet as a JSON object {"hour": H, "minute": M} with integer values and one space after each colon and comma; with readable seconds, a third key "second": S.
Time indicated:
{"hour": 8, "minute": 58}
